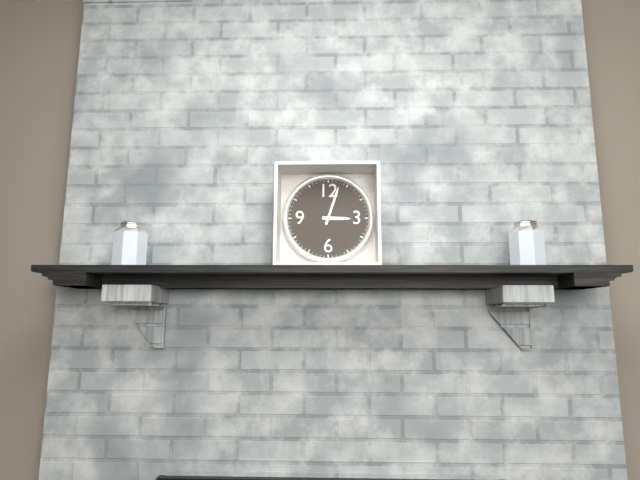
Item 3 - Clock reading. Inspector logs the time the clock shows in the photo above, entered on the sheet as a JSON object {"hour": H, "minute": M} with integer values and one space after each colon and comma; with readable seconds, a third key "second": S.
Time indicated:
{"hour": 3, "minute": 3}
